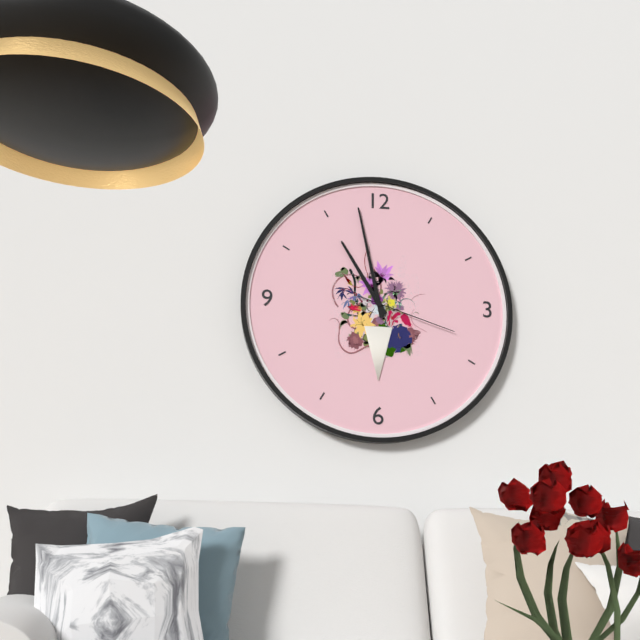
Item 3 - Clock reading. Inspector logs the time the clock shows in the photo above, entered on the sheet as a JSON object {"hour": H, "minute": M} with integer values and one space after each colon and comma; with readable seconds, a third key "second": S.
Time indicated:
{"hour": 10, "minute": 58, "second": 18}
